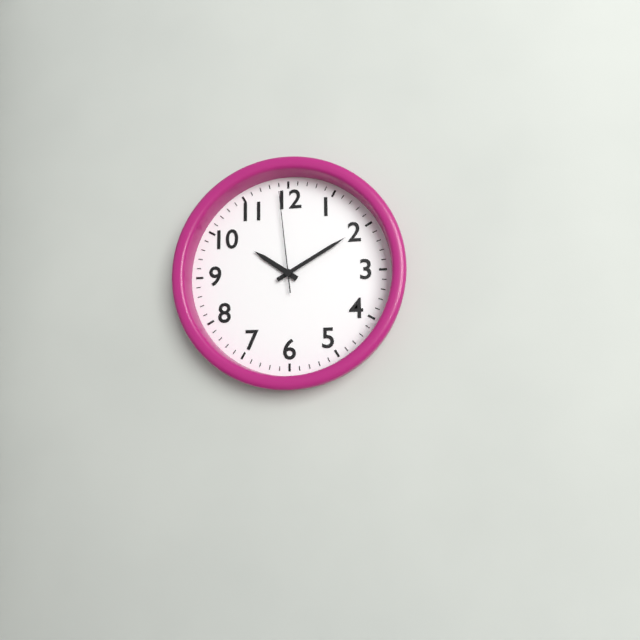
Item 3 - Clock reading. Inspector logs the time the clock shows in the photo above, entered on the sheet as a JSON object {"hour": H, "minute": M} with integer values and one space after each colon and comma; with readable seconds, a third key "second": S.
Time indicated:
{"hour": 10, "minute": 10, "second": 59}
